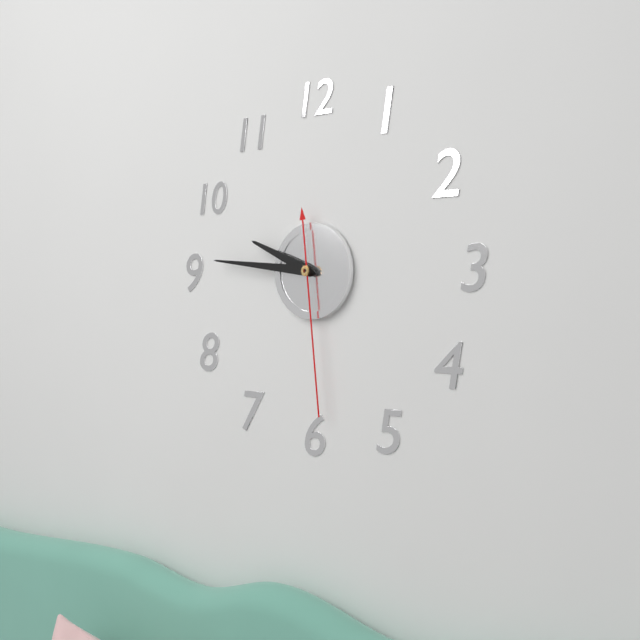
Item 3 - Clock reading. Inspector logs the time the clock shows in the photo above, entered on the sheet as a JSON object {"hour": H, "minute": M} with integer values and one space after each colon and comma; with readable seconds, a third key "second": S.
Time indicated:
{"hour": 9, "minute": 46, "second": 29}
